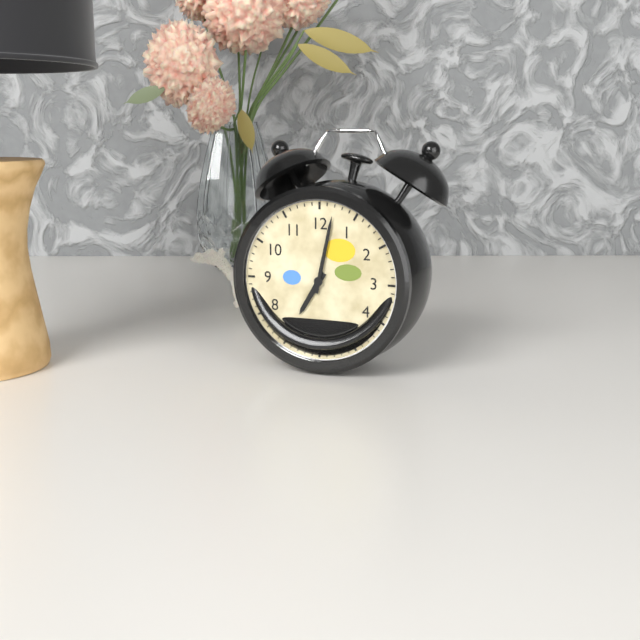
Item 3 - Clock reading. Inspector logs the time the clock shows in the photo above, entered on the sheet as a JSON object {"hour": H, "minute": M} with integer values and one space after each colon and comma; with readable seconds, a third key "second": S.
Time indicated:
{"hour": 7, "minute": 2}
